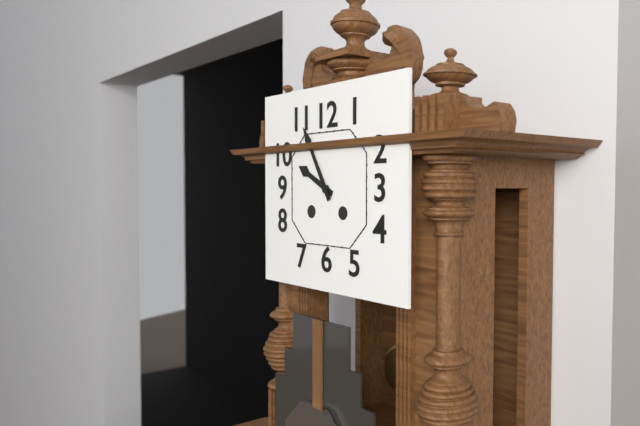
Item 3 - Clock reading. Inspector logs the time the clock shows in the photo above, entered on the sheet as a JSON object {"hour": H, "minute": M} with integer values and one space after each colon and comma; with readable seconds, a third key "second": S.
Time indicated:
{"hour": 9, "minute": 55}
